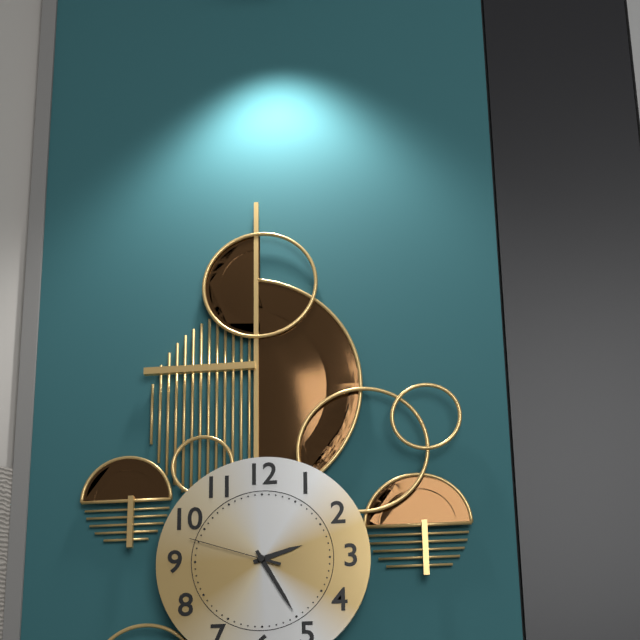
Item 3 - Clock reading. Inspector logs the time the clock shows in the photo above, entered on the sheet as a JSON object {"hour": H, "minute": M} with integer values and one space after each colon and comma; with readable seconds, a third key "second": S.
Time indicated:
{"hour": 2, "minute": 25, "second": 48}
